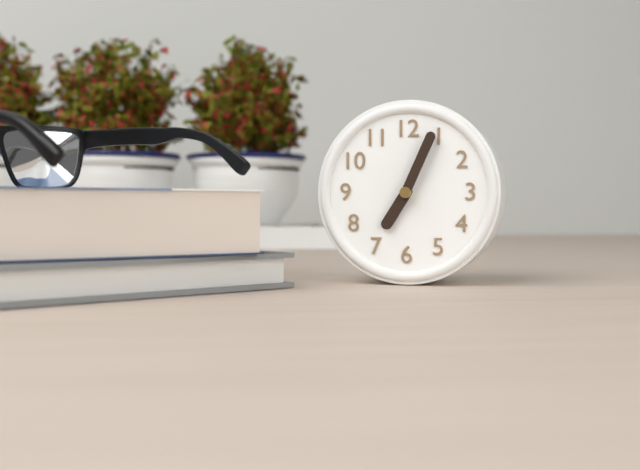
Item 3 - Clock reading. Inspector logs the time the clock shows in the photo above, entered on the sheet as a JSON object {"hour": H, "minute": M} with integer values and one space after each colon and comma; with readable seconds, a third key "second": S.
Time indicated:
{"hour": 7, "minute": 4}
